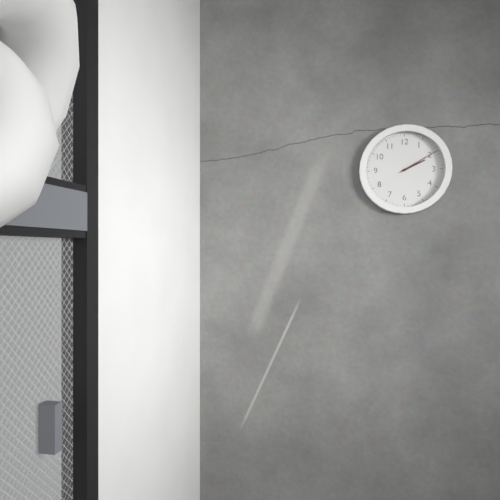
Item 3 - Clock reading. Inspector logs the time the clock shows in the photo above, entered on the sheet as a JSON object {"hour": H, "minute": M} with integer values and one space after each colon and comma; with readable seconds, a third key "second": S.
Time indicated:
{"hour": 2, "minute": 10}
